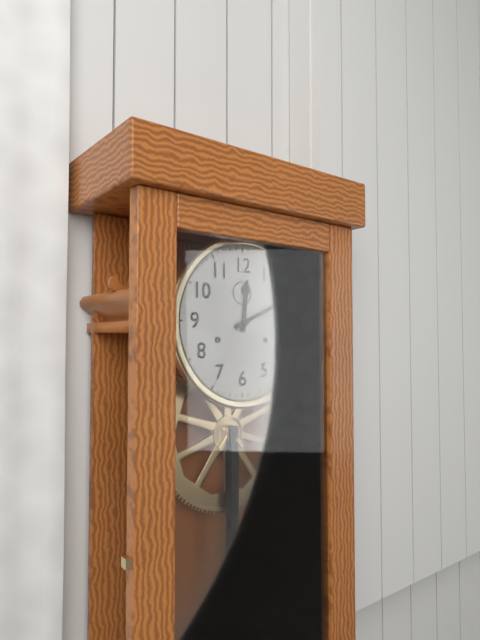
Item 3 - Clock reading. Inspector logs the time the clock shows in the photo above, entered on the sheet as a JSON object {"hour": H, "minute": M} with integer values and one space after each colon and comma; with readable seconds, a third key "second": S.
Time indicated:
{"hour": 12, "minute": 11}
